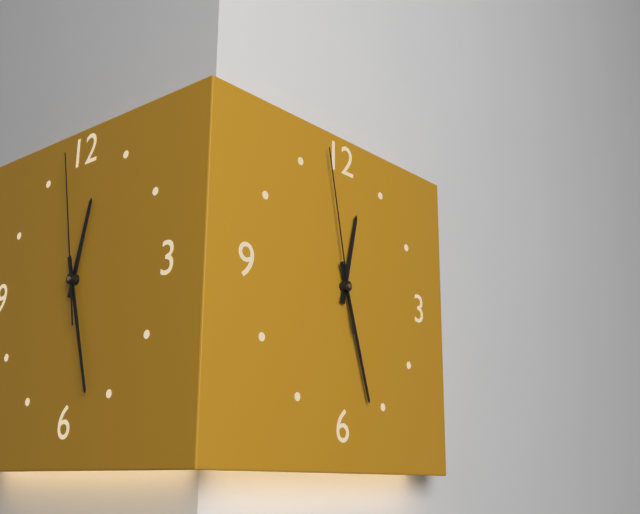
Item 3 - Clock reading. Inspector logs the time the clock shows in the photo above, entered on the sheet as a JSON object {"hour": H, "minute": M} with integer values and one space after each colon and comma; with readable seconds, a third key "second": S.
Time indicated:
{"hour": 12, "minute": 27, "second": 58}
